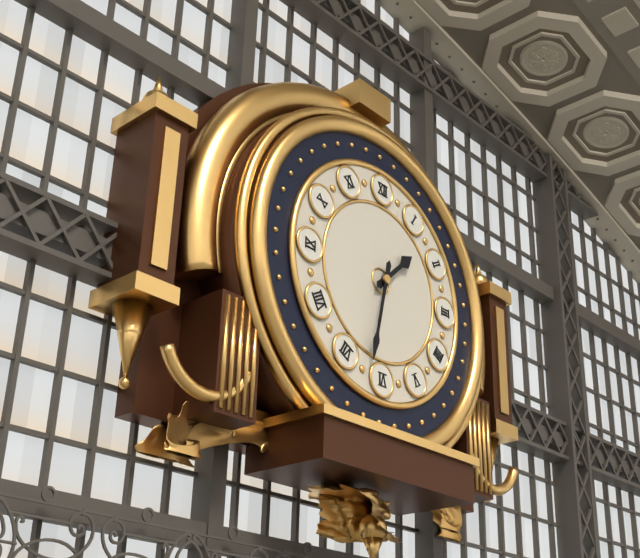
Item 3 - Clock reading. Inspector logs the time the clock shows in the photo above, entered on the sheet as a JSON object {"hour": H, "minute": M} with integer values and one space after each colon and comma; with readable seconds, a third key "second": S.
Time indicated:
{"hour": 1, "minute": 32}
